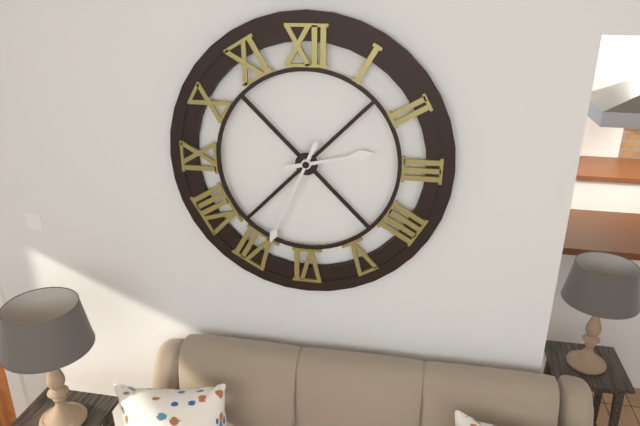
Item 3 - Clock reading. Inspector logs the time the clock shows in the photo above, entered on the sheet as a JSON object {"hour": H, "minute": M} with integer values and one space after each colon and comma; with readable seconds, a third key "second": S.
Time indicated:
{"hour": 2, "minute": 34}
